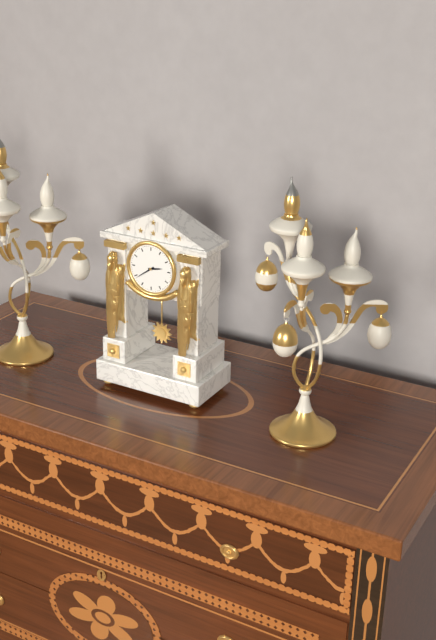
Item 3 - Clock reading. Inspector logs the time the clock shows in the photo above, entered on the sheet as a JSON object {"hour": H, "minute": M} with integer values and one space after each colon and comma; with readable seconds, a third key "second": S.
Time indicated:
{"hour": 2, "minute": 39}
